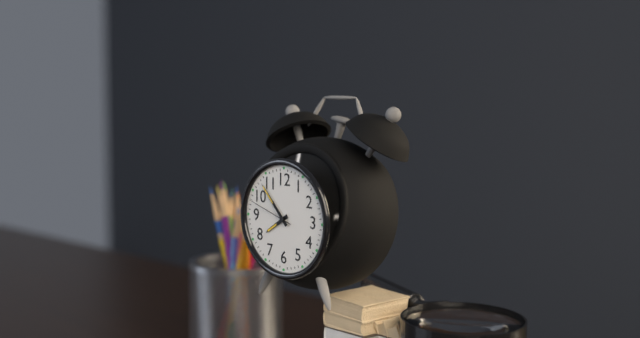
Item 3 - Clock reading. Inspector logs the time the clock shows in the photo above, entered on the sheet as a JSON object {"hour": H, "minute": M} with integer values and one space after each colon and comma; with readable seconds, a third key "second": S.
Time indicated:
{"hour": 7, "minute": 53, "second": 48}
